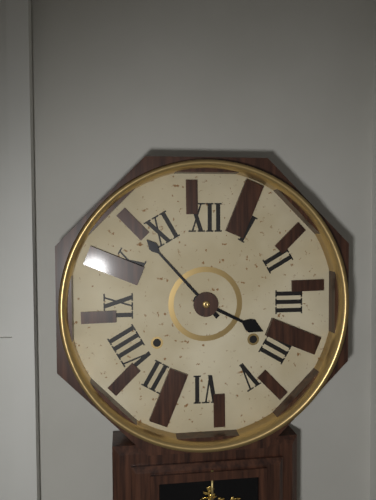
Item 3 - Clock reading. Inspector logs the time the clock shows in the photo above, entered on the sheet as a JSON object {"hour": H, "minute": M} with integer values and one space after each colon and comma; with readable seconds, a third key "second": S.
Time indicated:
{"hour": 3, "minute": 53}
